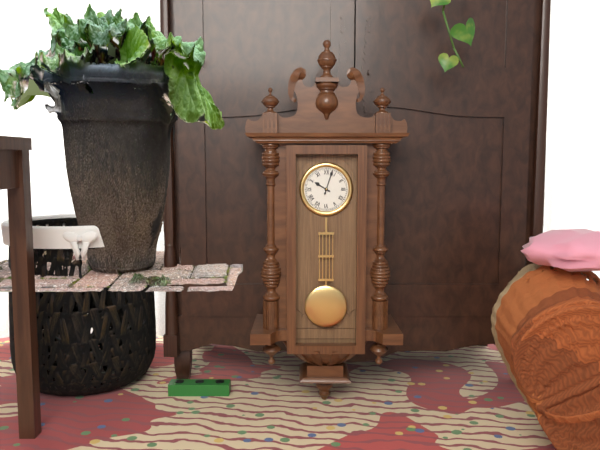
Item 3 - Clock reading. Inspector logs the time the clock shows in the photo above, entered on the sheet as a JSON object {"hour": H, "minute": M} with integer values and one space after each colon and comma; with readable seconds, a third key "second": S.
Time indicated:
{"hour": 10, "minute": 3}
